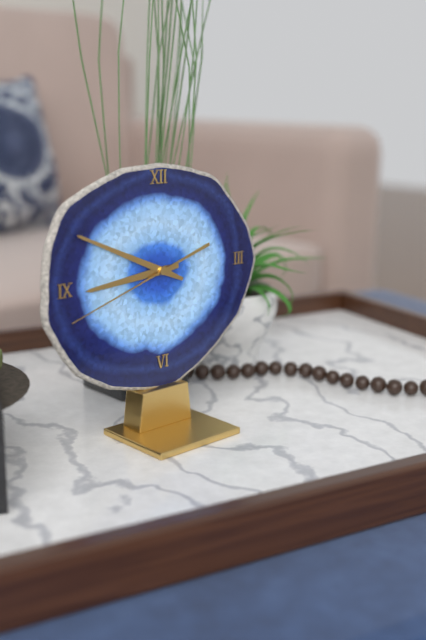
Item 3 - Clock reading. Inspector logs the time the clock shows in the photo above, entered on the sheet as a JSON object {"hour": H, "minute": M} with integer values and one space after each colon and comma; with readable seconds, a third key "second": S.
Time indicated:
{"hour": 8, "minute": 49, "second": 42}
